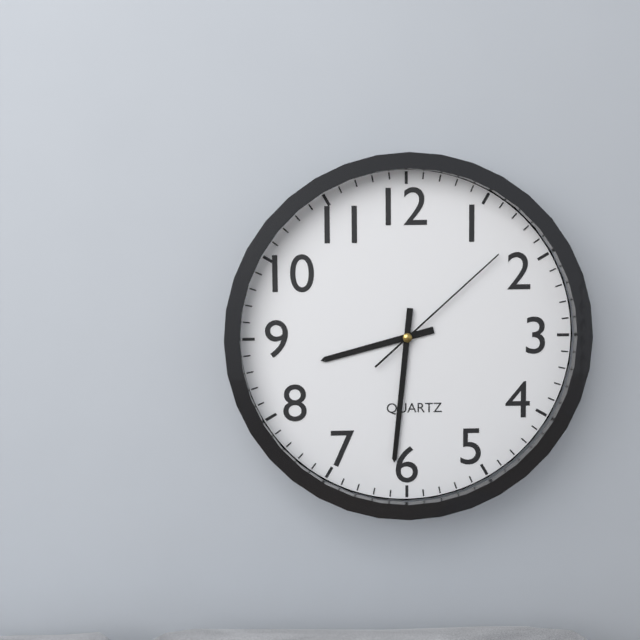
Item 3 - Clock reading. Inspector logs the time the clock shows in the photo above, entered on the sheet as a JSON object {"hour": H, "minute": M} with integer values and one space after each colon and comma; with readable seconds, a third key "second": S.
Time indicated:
{"hour": 8, "minute": 31, "second": 8}
